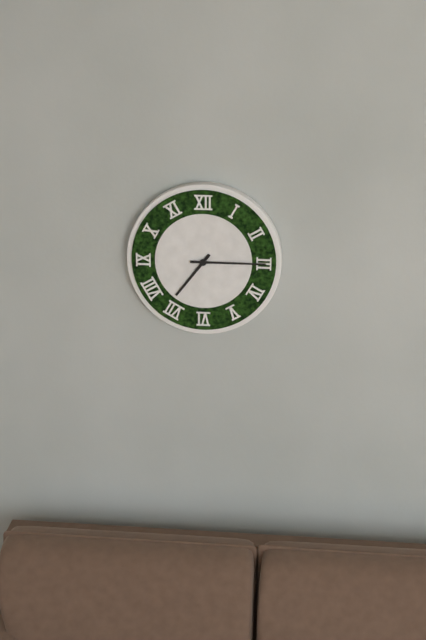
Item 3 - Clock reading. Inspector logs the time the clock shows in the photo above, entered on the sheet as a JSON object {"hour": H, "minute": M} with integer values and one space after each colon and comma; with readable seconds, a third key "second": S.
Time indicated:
{"hour": 7, "minute": 15}
